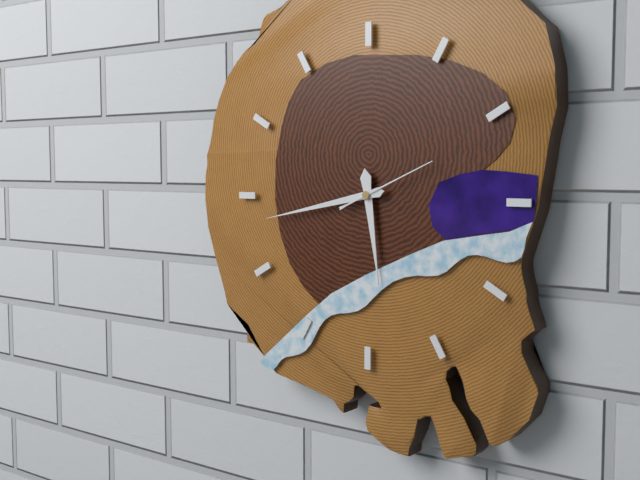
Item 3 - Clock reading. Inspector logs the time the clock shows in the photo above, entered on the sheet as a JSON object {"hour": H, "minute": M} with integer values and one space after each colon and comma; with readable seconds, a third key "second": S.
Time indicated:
{"hour": 5, "minute": 43, "second": 11}
